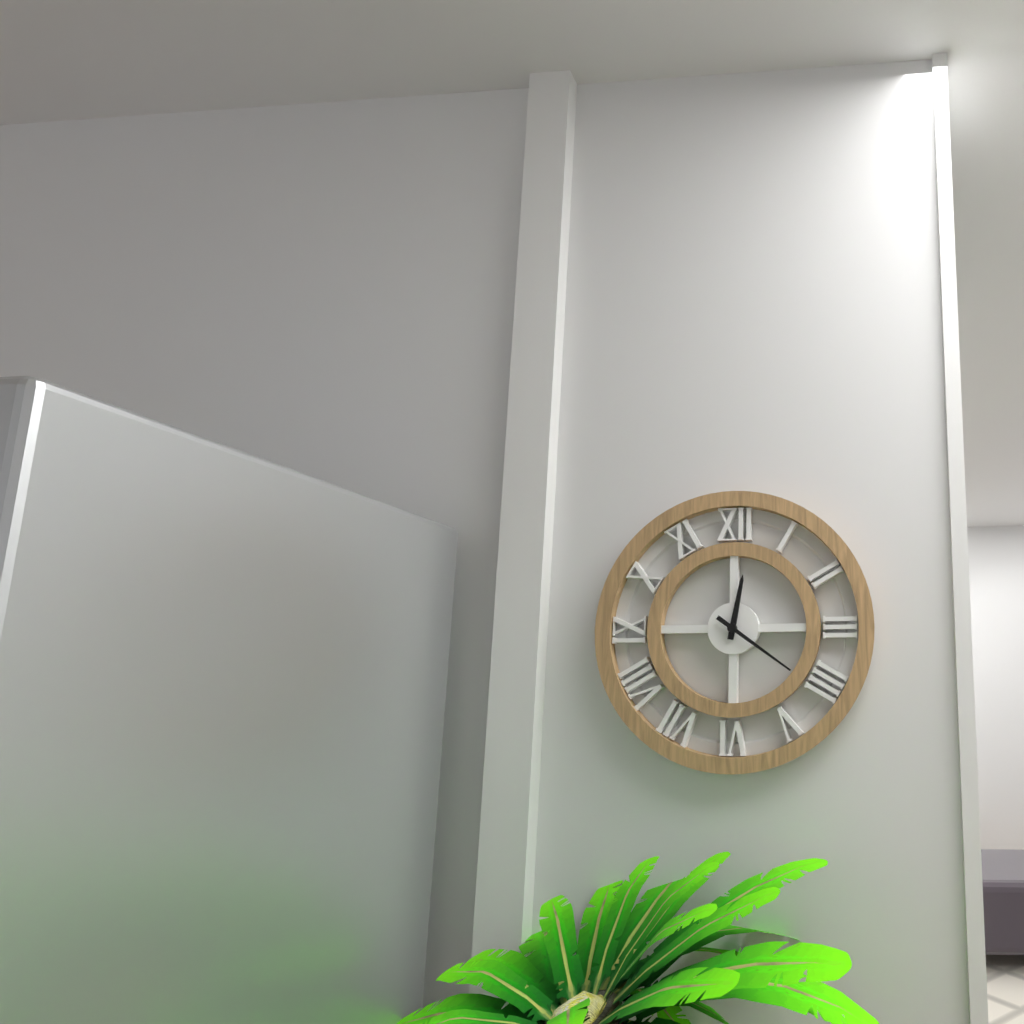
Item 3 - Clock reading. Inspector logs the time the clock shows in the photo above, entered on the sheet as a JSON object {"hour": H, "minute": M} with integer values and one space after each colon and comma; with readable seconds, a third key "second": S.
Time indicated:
{"hour": 12, "minute": 21}
